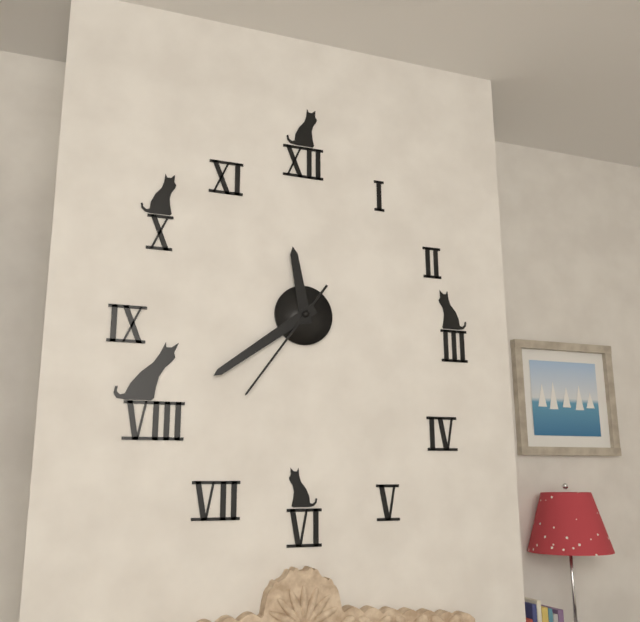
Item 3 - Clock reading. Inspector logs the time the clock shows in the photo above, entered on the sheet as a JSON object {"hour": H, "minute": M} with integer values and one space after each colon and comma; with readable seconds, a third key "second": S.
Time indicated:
{"hour": 11, "minute": 39, "second": 36}
